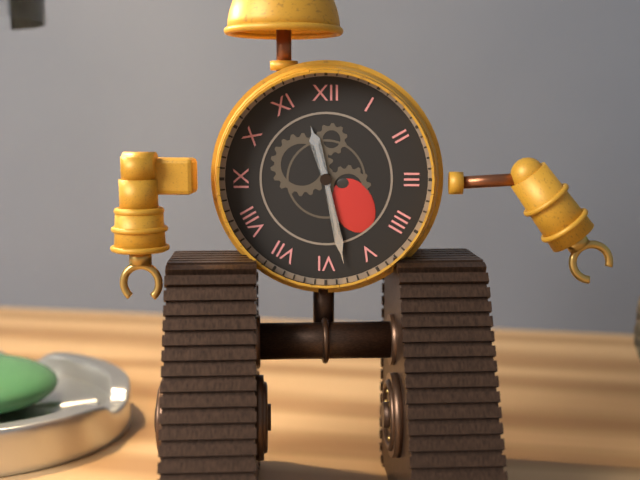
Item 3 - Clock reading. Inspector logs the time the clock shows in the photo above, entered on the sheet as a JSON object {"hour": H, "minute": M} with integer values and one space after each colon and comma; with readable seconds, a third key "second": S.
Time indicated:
{"hour": 11, "minute": 28}
